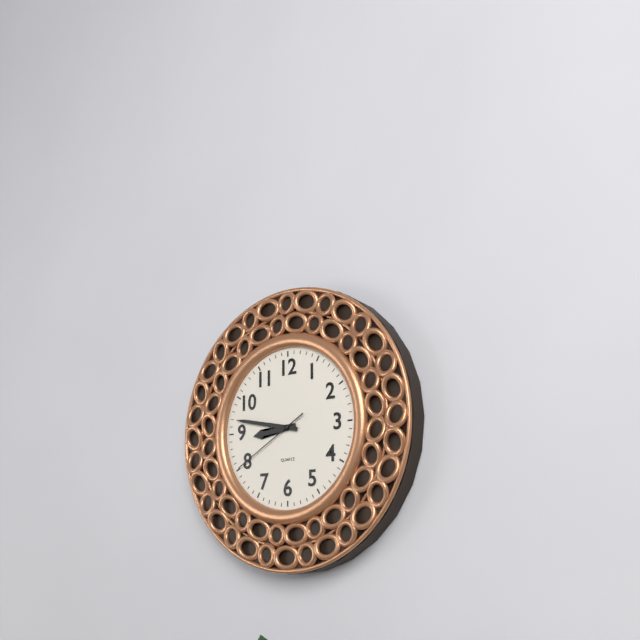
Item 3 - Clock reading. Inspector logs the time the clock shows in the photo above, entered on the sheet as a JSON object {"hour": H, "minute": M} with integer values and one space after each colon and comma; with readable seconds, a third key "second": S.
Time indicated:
{"hour": 8, "minute": 47, "second": 40}
